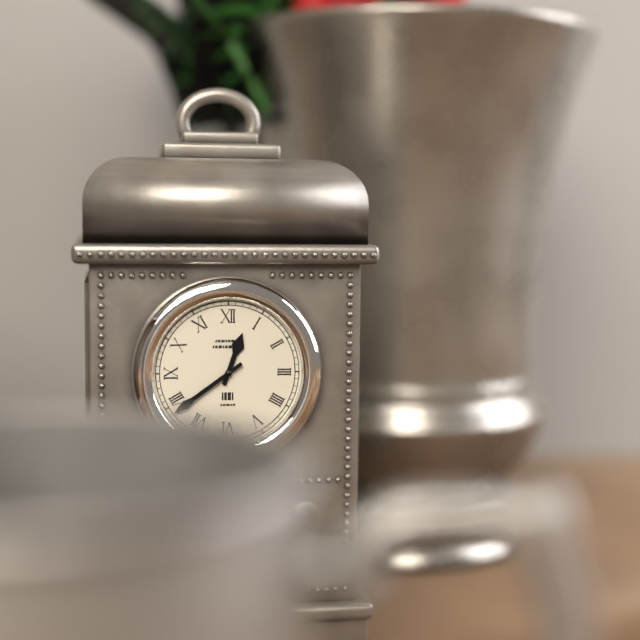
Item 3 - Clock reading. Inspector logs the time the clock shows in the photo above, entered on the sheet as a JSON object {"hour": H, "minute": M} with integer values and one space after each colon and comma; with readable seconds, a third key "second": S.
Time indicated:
{"hour": 12, "minute": 39}
